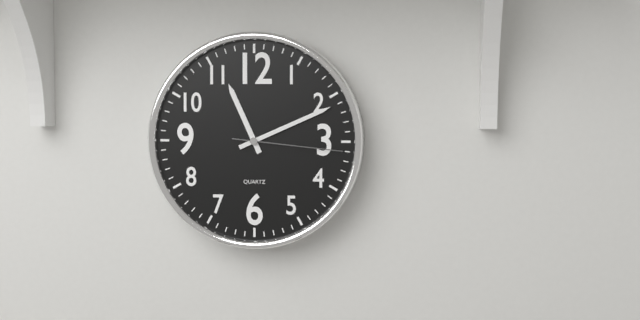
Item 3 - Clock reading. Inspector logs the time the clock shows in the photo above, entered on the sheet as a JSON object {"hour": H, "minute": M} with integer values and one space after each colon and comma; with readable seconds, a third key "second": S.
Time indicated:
{"hour": 11, "minute": 11, "second": 16}
